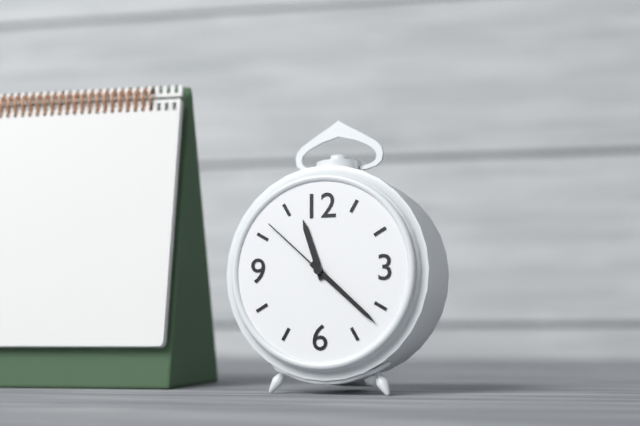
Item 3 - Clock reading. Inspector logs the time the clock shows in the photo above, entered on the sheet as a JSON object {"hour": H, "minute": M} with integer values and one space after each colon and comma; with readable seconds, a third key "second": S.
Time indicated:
{"hour": 11, "minute": 22, "second": 52}
